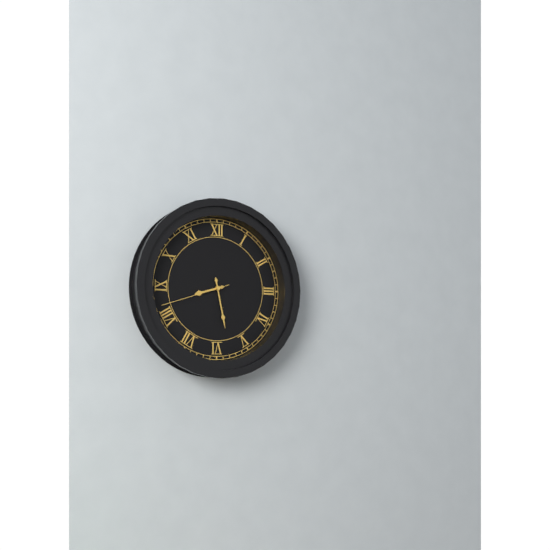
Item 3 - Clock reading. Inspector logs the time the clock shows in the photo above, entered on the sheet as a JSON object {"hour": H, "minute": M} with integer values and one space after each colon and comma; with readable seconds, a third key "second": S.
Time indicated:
{"hour": 8, "minute": 28, "second": 42}
